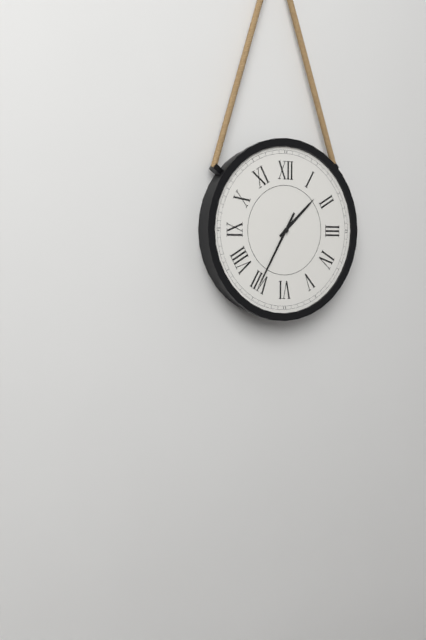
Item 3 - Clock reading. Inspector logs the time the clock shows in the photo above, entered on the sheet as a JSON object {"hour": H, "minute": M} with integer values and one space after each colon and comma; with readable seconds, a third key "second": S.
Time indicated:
{"hour": 1, "minute": 35}
